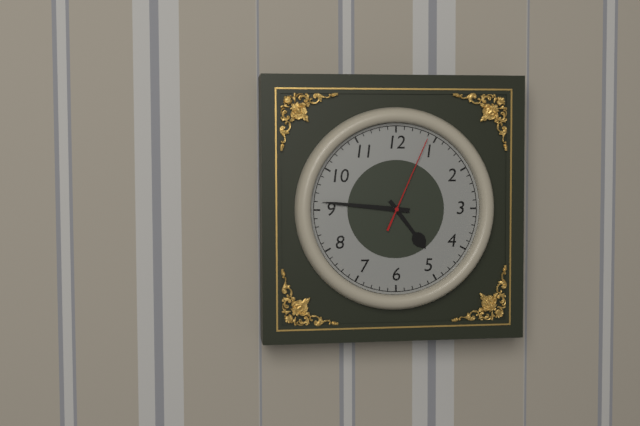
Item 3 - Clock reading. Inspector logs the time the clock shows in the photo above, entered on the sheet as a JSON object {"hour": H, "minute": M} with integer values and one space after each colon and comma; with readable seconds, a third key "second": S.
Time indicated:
{"hour": 4, "minute": 46, "second": 4}
